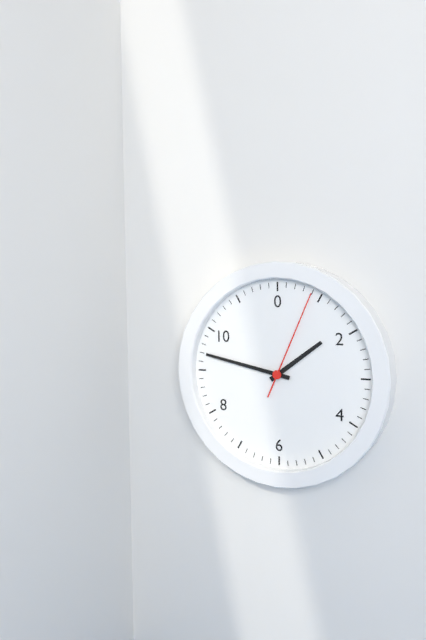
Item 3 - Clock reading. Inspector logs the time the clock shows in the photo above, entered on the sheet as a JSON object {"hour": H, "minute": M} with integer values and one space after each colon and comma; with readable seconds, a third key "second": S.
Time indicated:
{"hour": 1, "minute": 47, "second": 4}
